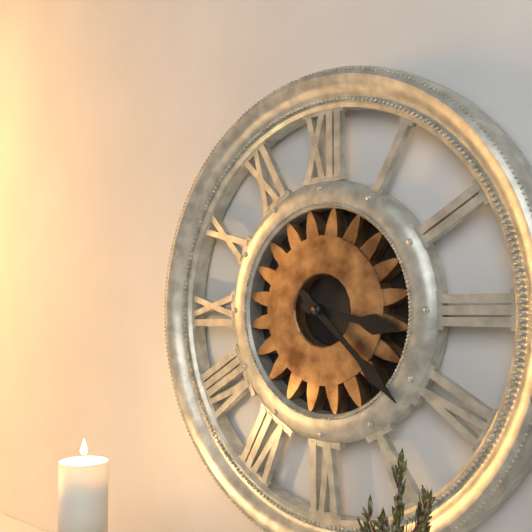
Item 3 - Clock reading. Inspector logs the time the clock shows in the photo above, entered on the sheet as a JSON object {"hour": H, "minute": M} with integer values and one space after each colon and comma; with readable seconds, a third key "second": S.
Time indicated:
{"hour": 3, "minute": 22}
